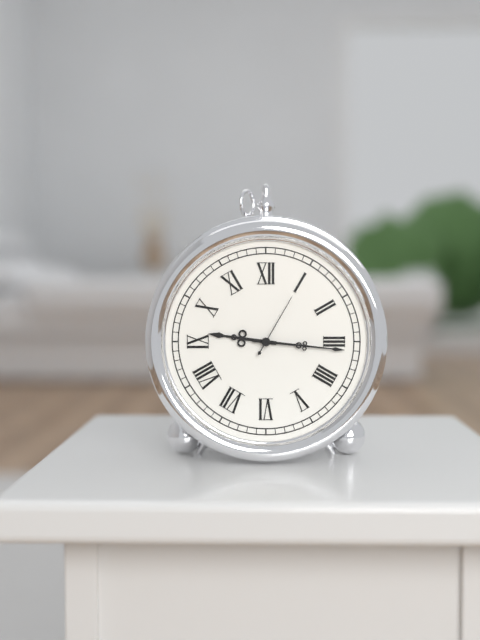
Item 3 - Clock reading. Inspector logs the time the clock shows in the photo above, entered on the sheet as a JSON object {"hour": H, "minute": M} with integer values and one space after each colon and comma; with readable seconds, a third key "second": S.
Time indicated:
{"hour": 9, "minute": 16, "second": 5}
